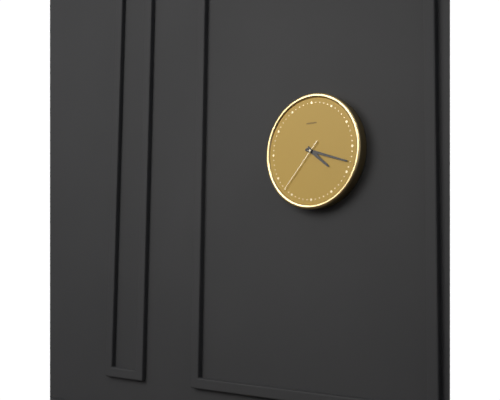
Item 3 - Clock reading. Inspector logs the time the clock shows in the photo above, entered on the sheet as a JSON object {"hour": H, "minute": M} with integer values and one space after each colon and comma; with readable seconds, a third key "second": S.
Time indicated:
{"hour": 4, "minute": 18, "second": 37}
